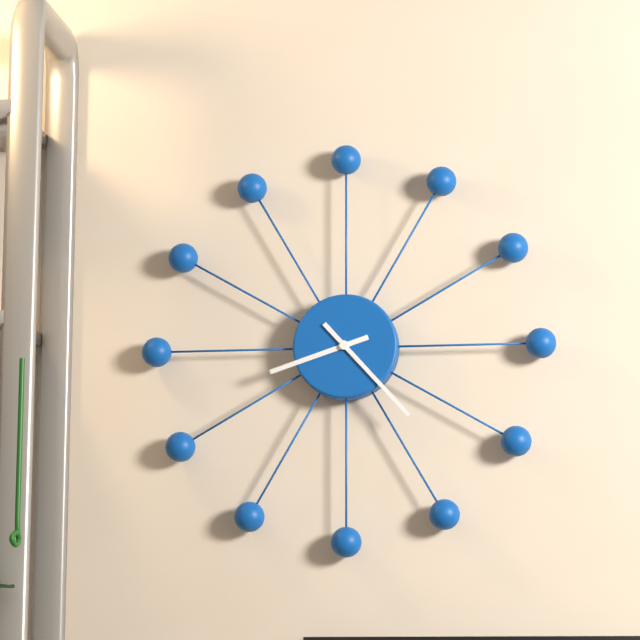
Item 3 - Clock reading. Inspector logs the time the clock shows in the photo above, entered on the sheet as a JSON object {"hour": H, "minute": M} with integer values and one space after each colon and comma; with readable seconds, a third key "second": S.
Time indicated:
{"hour": 8, "minute": 23}
